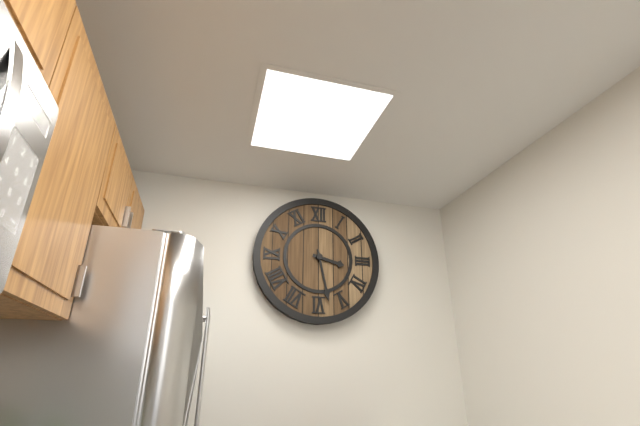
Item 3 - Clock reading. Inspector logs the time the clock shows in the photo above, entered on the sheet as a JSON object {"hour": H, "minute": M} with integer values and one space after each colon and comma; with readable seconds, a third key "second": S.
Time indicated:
{"hour": 3, "minute": 28}
